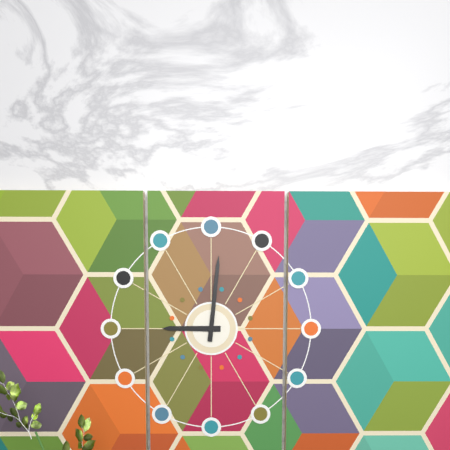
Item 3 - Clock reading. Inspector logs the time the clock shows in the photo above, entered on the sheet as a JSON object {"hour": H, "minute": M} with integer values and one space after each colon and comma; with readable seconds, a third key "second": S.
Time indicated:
{"hour": 9, "minute": 1}
